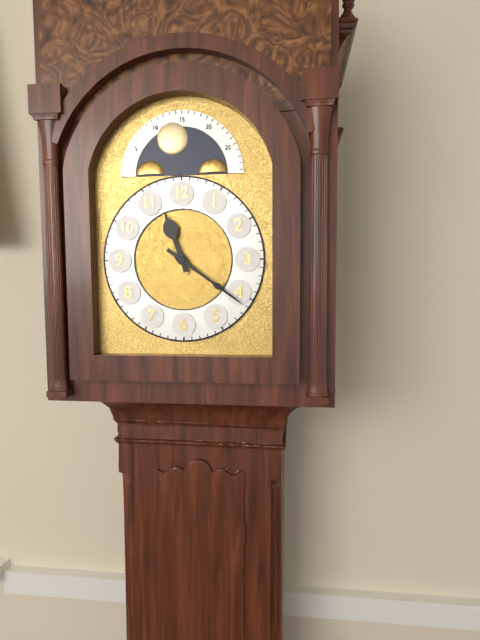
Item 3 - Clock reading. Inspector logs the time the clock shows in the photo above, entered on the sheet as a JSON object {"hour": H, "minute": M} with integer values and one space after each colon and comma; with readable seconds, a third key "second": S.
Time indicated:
{"hour": 11, "minute": 21}
